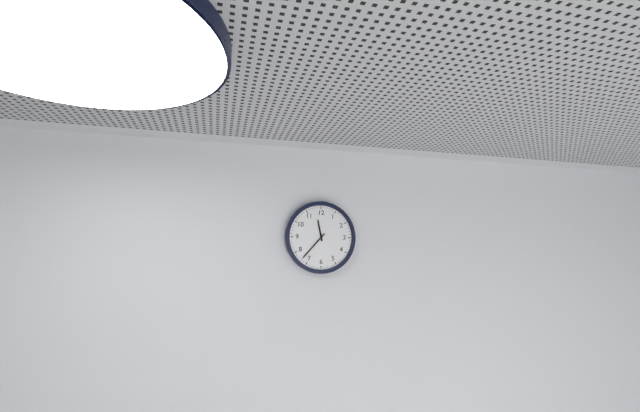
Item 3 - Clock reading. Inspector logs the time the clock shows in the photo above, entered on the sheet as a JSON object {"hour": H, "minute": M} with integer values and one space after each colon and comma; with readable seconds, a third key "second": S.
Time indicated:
{"hour": 11, "minute": 37}
